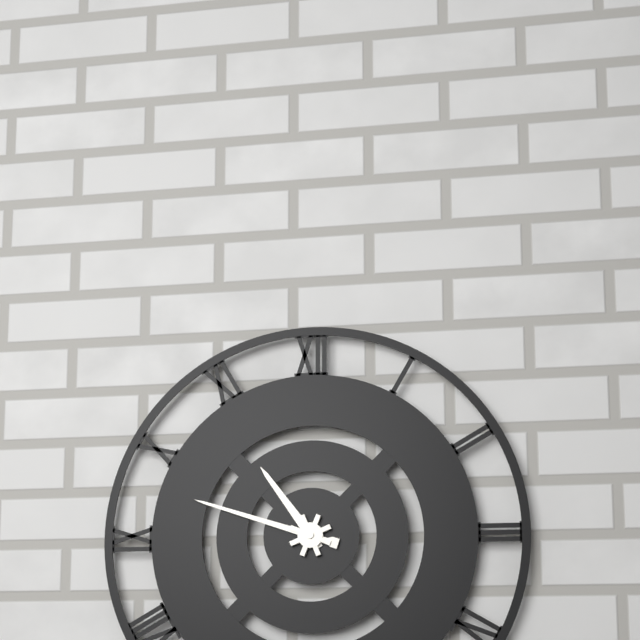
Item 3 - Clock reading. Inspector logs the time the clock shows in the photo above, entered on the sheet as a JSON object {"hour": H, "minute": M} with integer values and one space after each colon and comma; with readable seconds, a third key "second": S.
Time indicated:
{"hour": 10, "minute": 48}
